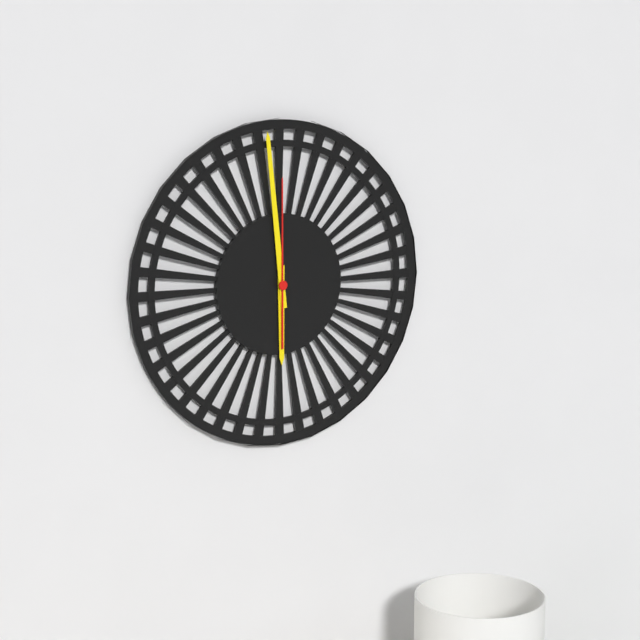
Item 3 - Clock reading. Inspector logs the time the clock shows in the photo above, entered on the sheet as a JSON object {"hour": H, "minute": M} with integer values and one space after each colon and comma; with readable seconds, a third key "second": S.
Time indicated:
{"hour": 5, "minute": 59, "second": 0}
